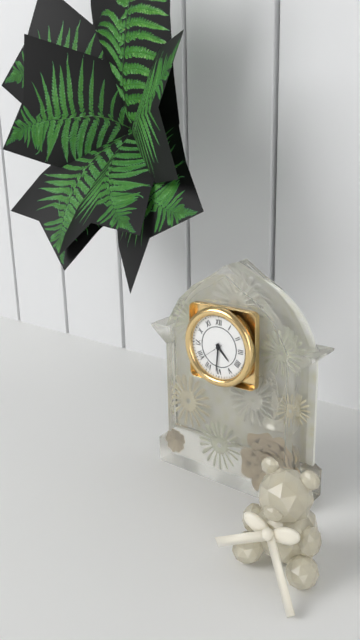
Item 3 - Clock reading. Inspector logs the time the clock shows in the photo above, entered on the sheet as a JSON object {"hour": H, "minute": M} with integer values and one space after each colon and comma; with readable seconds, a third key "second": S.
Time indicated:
{"hour": 4, "minute": 31}
